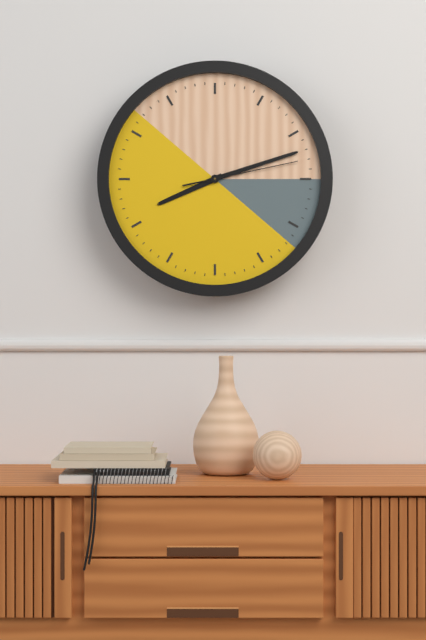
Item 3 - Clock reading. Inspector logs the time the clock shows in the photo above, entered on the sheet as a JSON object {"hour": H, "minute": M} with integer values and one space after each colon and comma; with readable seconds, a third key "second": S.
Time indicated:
{"hour": 8, "minute": 12, "second": 13}
